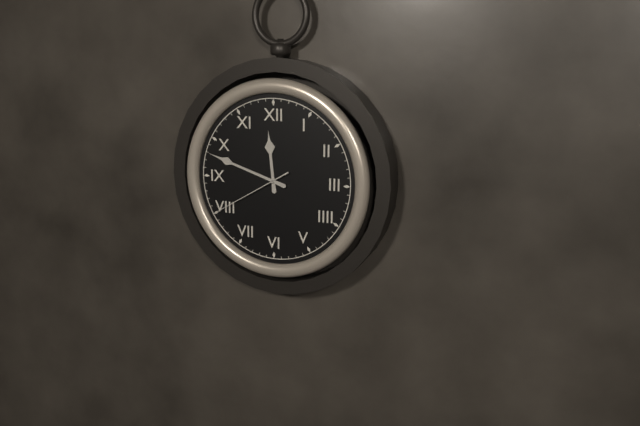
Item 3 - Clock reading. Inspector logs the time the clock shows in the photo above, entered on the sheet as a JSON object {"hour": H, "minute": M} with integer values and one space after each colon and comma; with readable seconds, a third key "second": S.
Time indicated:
{"hour": 11, "minute": 48, "second": 40}
